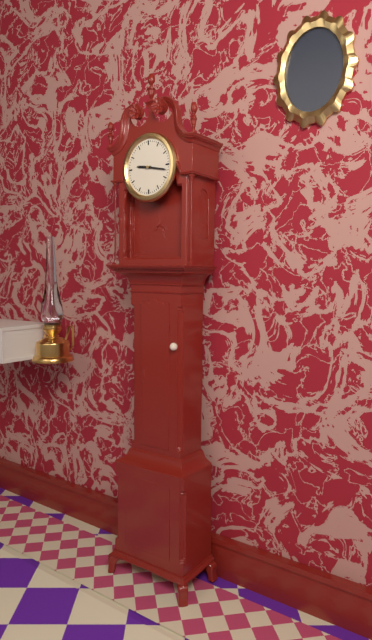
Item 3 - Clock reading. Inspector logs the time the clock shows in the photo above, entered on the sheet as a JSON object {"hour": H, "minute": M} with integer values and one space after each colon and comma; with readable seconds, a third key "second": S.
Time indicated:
{"hour": 9, "minute": 17}
